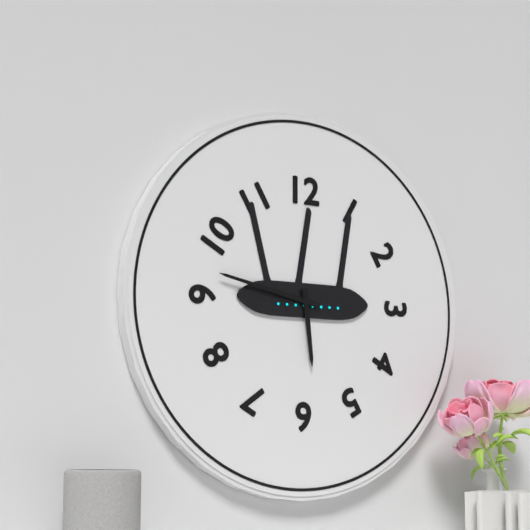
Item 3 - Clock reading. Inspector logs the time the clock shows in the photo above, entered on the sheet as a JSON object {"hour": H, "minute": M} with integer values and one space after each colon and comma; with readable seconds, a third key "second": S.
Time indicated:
{"hour": 5, "minute": 47}
